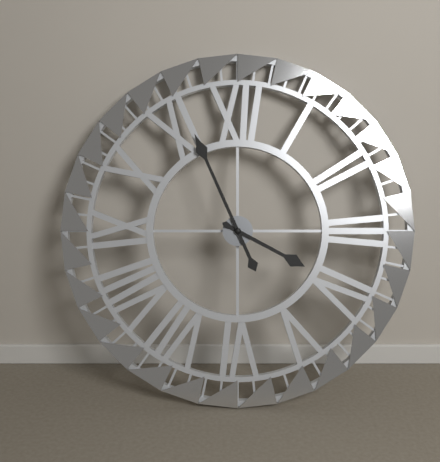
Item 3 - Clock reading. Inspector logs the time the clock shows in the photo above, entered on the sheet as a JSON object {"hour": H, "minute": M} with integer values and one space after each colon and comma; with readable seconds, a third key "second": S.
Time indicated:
{"hour": 3, "minute": 56}
